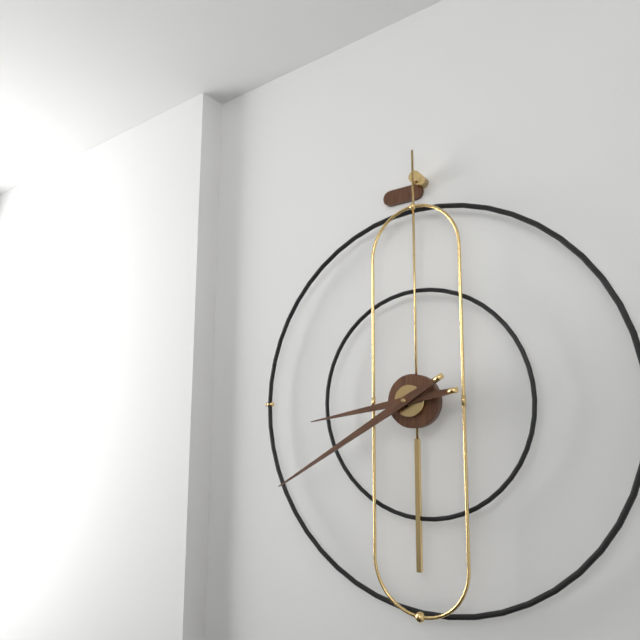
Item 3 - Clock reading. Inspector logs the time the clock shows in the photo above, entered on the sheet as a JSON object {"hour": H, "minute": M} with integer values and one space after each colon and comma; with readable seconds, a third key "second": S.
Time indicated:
{"hour": 8, "minute": 40}
